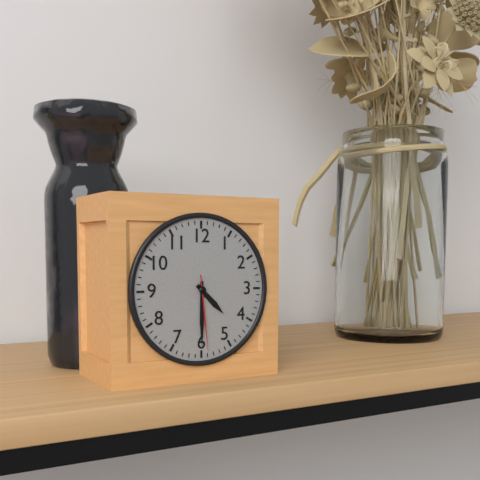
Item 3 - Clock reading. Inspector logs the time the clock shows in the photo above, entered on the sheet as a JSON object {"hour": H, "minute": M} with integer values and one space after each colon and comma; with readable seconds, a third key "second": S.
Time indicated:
{"hour": 4, "minute": 30, "second": 29}
